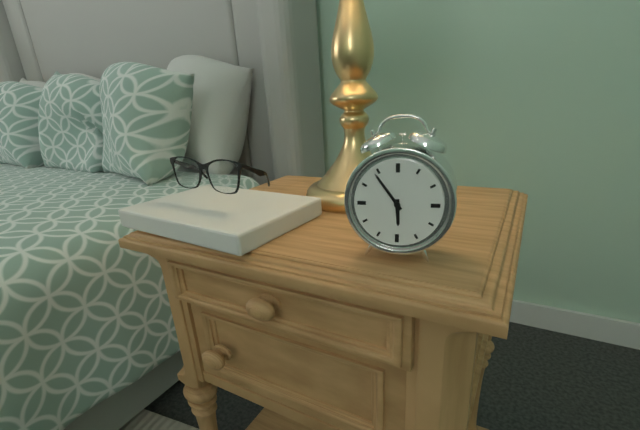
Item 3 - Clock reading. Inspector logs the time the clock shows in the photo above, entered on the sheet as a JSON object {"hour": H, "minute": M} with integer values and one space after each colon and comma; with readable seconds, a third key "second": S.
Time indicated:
{"hour": 5, "minute": 54}
